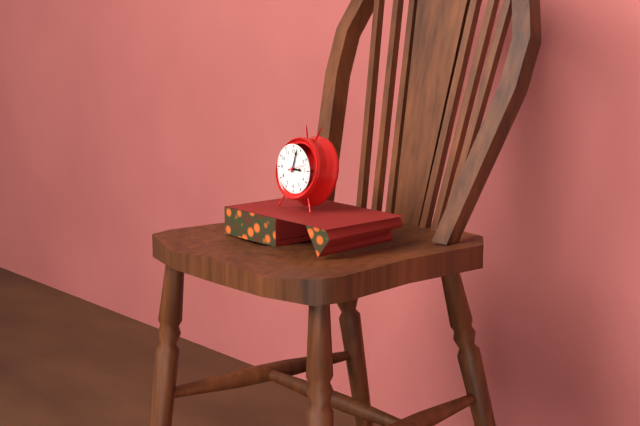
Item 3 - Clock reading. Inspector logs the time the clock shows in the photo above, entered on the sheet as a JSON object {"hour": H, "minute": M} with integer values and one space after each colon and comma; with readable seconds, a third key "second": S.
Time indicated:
{"hour": 3, "minute": 3}
